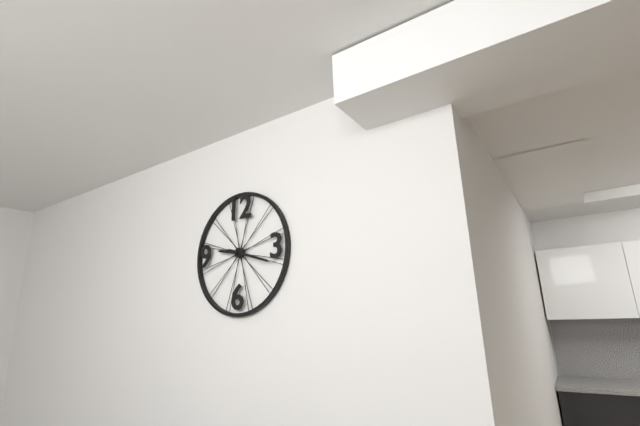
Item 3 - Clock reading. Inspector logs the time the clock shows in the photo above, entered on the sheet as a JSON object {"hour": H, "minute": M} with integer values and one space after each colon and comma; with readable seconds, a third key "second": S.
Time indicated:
{"hour": 9, "minute": 18}
